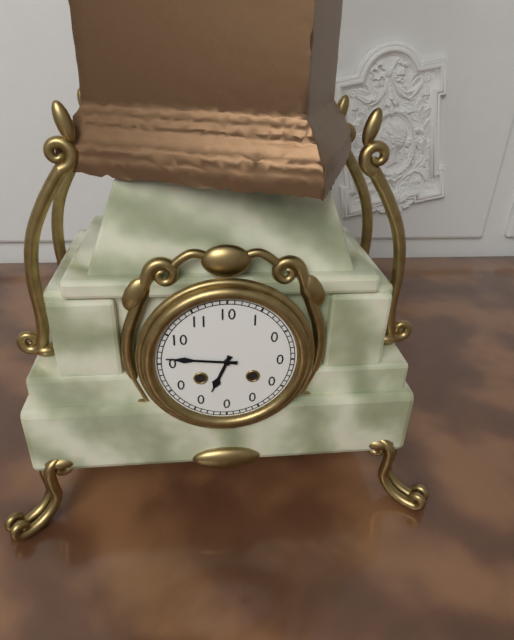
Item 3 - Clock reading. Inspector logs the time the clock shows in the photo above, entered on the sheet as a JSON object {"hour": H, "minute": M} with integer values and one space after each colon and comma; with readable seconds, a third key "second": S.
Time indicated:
{"hour": 6, "minute": 46}
